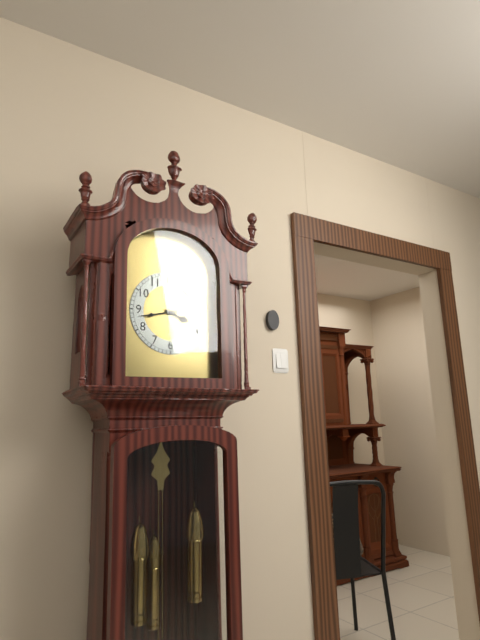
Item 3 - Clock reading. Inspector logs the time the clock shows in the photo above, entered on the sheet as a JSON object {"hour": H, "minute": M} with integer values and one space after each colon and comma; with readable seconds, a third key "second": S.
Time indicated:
{"hour": 3, "minute": 43}
